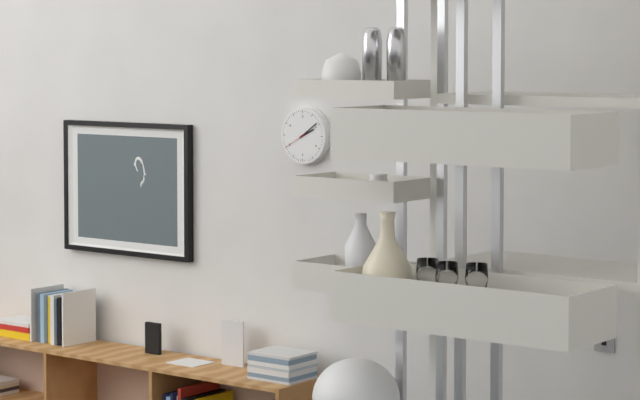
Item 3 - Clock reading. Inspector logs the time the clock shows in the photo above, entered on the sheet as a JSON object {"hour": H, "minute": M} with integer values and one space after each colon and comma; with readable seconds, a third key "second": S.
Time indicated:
{"hour": 2, "minute": 9}
